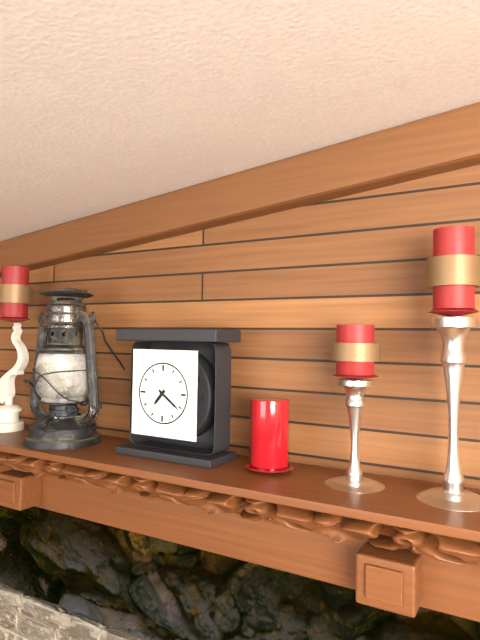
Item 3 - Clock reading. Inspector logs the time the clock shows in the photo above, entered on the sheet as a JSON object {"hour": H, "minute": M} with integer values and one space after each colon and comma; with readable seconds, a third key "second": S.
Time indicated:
{"hour": 7, "minute": 21}
